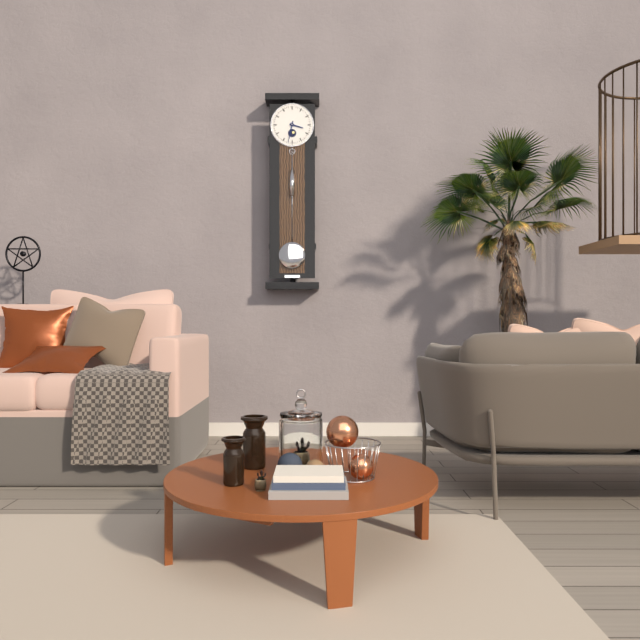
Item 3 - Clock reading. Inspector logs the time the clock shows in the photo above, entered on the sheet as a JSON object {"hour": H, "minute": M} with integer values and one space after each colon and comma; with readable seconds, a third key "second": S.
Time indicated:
{"hour": 3, "minute": 32}
